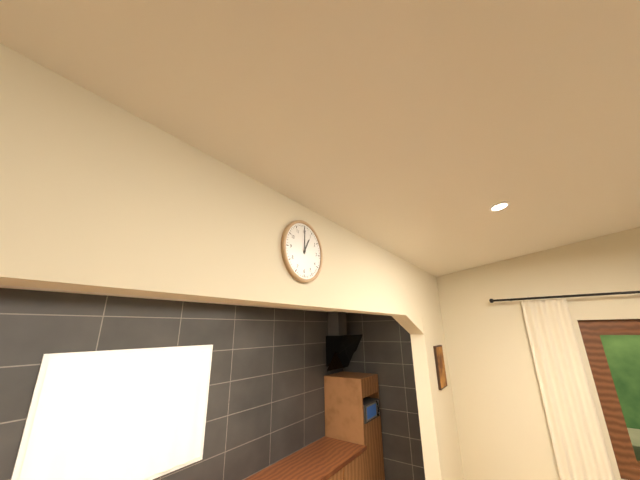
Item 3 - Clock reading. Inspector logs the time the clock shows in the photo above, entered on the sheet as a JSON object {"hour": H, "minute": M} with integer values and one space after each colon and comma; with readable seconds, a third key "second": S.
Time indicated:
{"hour": 1, "minute": 0}
